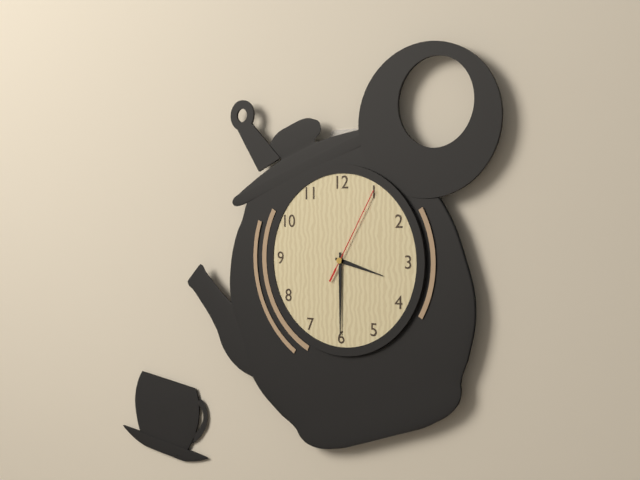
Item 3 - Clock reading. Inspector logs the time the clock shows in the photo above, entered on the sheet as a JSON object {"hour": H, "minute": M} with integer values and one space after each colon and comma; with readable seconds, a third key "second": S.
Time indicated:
{"hour": 3, "minute": 30, "second": 5}
